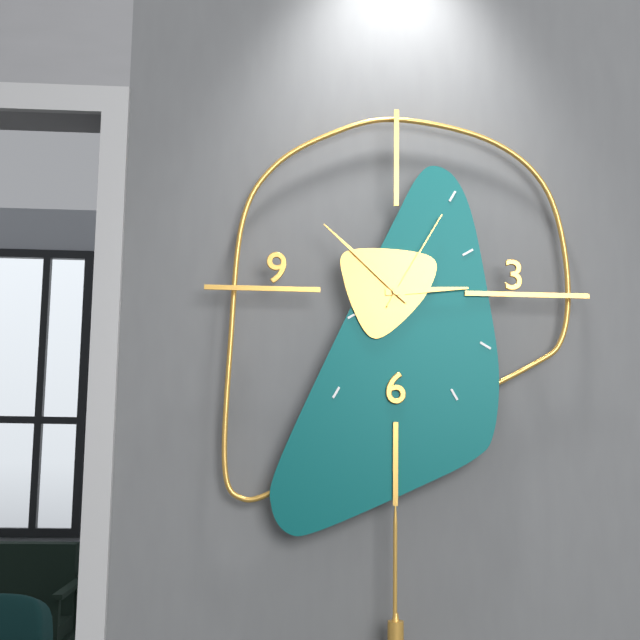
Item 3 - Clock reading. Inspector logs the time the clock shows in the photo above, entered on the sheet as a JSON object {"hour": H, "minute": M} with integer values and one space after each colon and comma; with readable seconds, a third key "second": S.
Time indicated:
{"hour": 2, "minute": 52, "second": 5}
